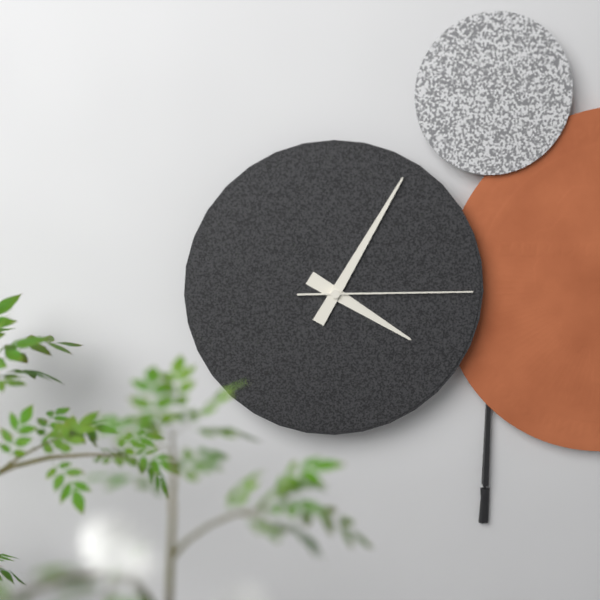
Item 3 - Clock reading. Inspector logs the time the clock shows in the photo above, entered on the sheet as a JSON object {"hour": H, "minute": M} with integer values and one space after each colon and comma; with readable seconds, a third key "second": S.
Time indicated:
{"hour": 4, "minute": 5, "second": 15}
